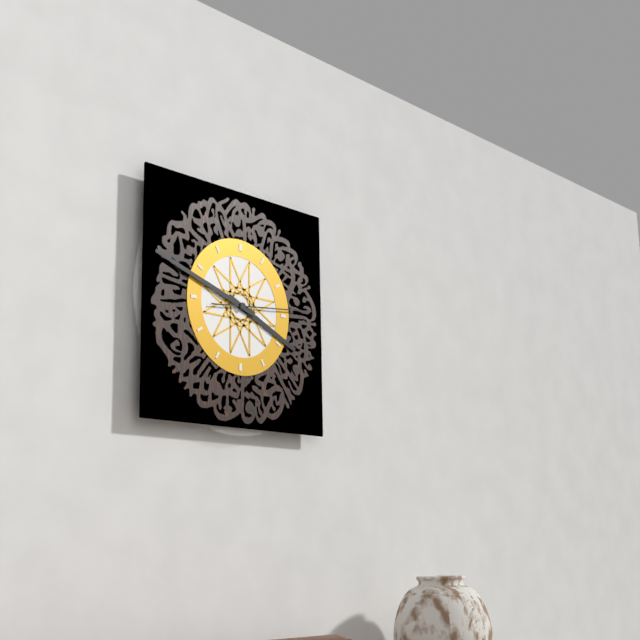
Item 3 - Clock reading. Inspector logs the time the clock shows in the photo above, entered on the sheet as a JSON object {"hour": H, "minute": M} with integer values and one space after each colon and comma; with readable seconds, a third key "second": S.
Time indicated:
{"hour": 3, "minute": 48, "second": 14}
